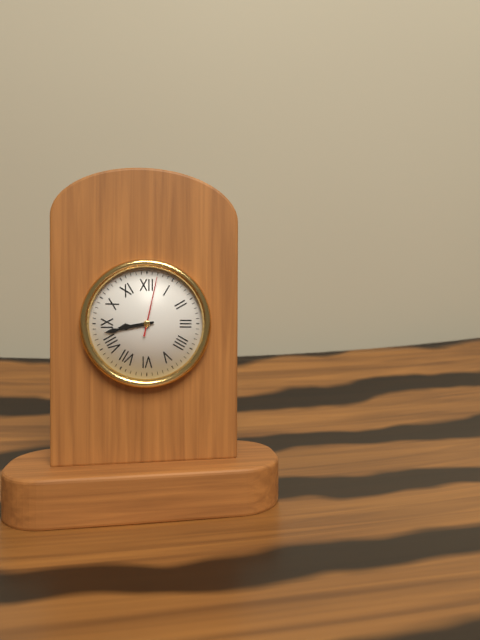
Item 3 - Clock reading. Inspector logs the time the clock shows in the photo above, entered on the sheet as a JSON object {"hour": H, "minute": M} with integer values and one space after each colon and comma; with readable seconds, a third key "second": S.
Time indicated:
{"hour": 8, "minute": 43, "second": 2}
